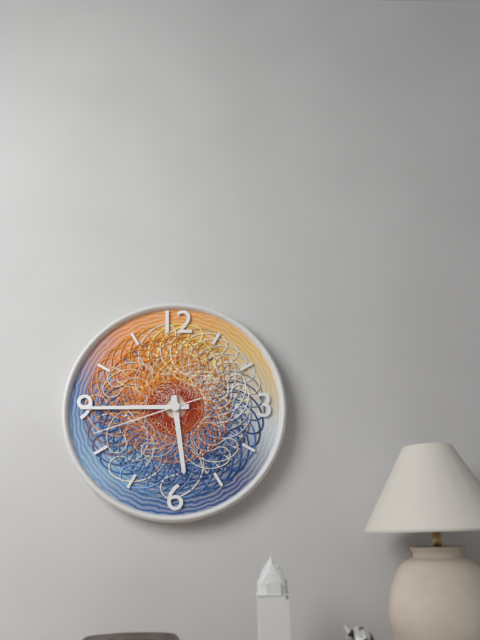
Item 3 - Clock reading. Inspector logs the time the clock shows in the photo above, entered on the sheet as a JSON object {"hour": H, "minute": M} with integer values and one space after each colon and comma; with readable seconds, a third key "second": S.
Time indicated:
{"hour": 5, "minute": 45, "second": 42}
